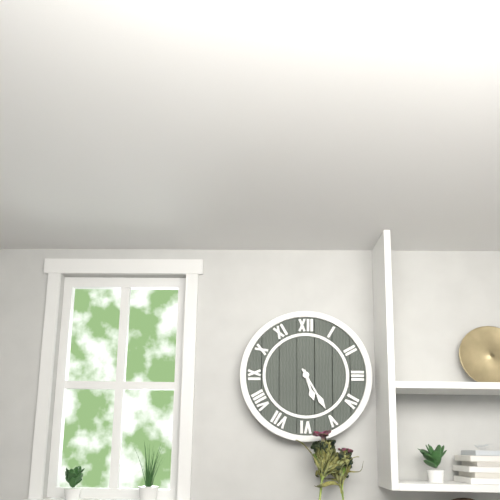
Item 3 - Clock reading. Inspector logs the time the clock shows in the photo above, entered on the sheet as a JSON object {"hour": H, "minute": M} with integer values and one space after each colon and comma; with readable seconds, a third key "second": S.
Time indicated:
{"hour": 5, "minute": 25}
